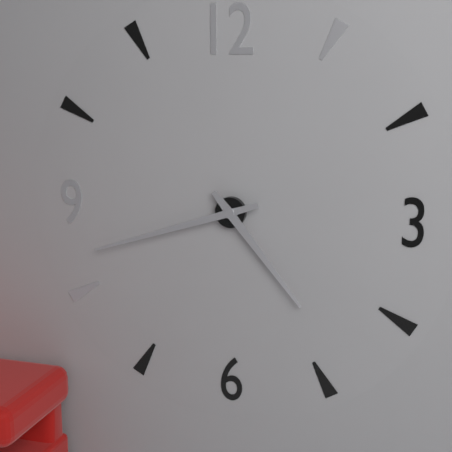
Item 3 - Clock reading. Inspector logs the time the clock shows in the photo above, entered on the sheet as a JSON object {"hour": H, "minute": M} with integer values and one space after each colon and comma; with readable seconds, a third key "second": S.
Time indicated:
{"hour": 4, "minute": 42}
